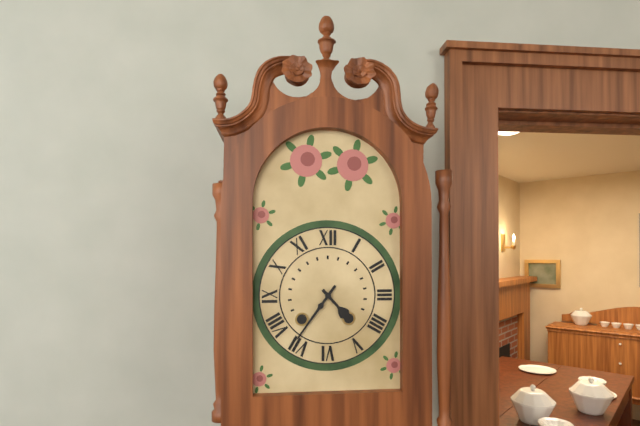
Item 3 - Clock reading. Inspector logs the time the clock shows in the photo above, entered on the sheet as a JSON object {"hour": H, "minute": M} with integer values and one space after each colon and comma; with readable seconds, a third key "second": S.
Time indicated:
{"hour": 4, "minute": 36}
